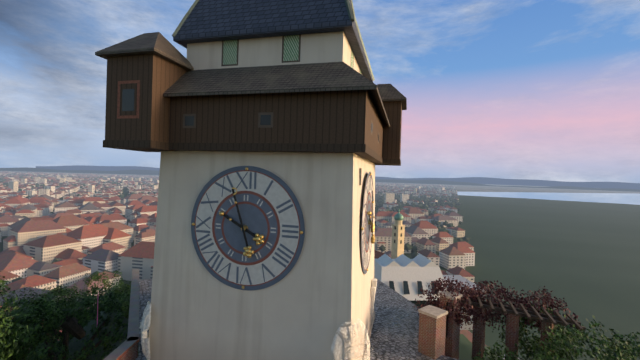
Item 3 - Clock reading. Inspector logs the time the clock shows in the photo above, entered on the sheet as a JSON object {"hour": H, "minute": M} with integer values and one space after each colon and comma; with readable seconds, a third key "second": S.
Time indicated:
{"hour": 9, "minute": 57}
